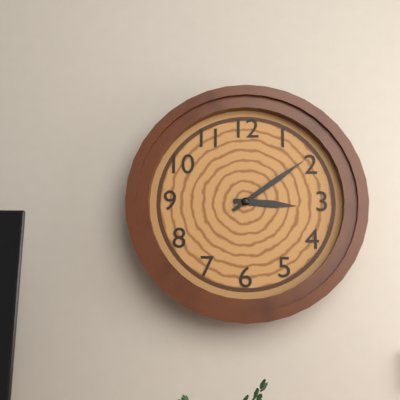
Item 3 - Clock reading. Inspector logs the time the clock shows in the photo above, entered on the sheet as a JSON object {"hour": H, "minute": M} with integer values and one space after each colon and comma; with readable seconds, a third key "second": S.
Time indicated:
{"hour": 3, "minute": 9}
